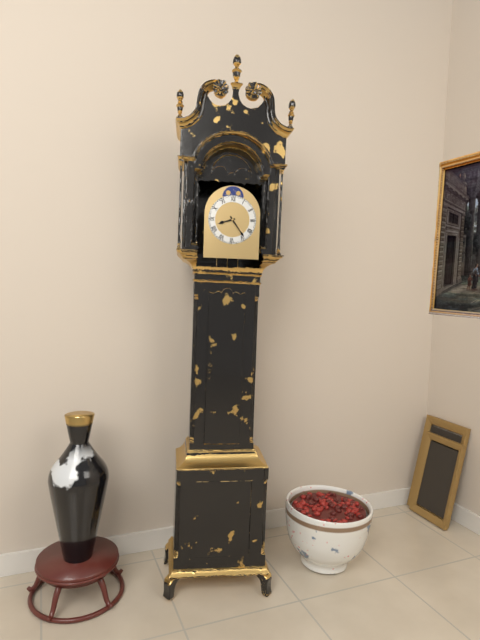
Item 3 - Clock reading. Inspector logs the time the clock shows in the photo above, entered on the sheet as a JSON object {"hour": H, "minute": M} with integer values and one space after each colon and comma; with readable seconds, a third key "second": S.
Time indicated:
{"hour": 8, "minute": 24}
